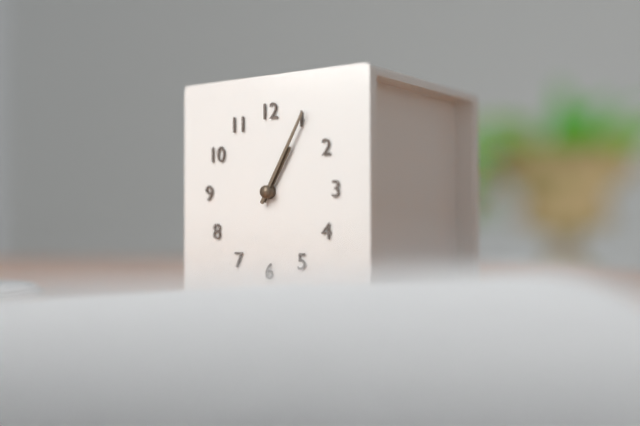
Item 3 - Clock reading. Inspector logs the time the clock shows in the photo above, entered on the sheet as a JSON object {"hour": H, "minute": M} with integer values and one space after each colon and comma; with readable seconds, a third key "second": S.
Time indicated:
{"hour": 1, "minute": 5}
